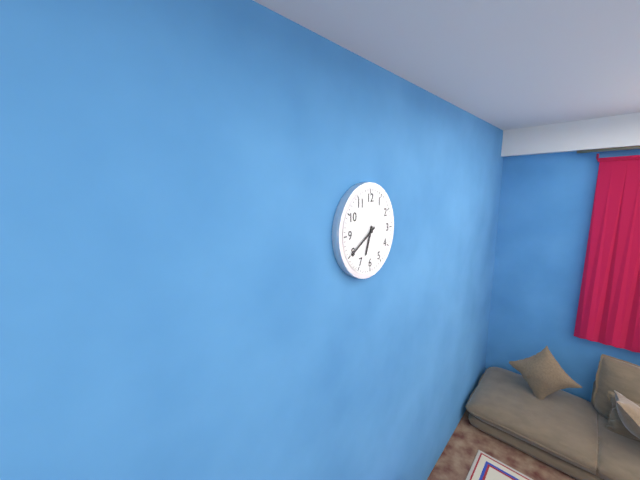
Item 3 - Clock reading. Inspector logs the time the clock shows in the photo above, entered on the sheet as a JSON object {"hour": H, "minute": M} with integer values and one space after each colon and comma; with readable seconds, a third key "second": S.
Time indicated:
{"hour": 6, "minute": 40}
